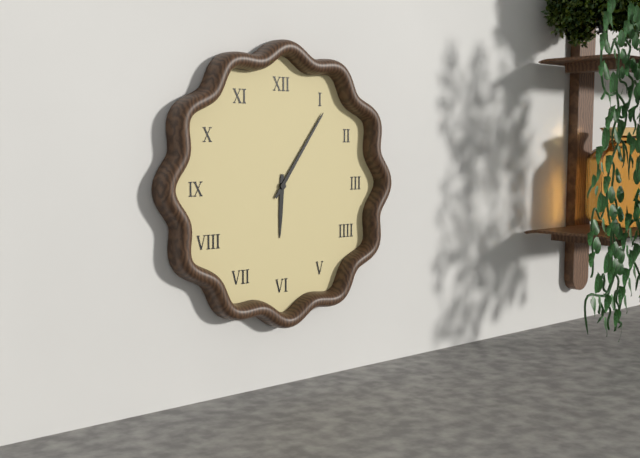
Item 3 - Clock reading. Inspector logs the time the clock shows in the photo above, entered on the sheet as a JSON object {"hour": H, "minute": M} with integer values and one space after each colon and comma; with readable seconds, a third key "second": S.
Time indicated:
{"hour": 6, "minute": 6}
